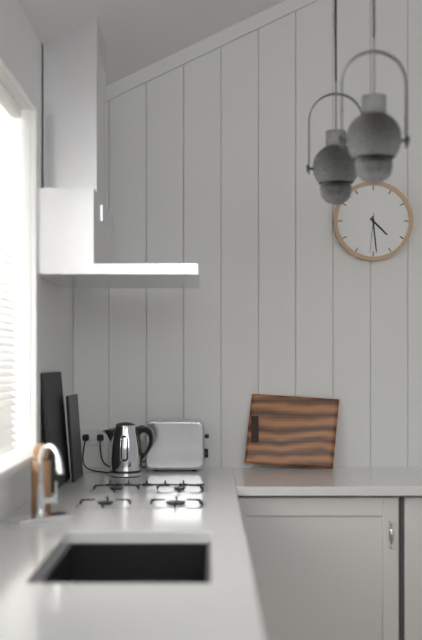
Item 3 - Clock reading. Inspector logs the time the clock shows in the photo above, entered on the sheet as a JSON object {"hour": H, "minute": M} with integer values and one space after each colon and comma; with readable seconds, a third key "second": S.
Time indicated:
{"hour": 4, "minute": 29}
